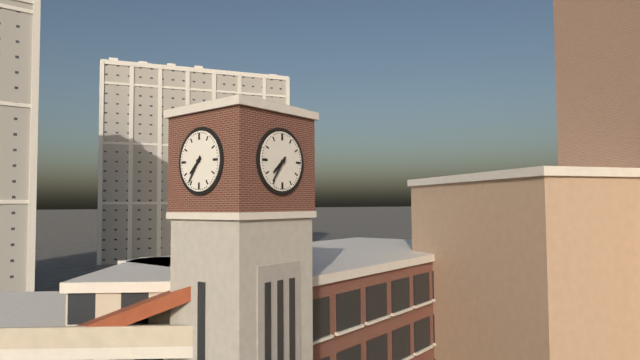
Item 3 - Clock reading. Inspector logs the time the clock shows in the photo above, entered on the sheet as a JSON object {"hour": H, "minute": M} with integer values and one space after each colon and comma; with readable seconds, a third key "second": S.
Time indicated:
{"hour": 7, "minute": 36}
